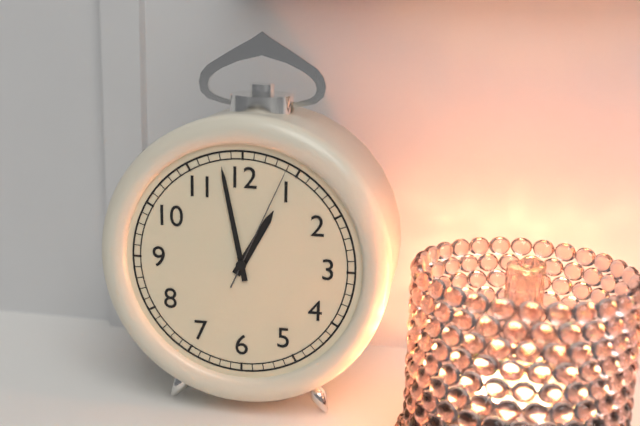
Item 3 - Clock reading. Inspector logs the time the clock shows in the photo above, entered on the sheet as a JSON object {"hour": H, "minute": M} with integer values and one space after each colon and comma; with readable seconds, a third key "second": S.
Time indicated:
{"hour": 12, "minute": 58, "second": 4}
